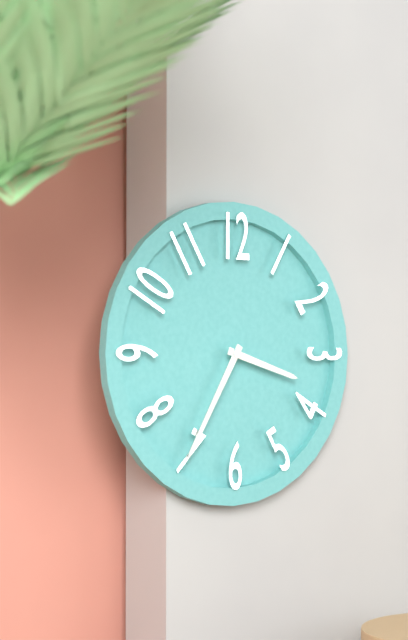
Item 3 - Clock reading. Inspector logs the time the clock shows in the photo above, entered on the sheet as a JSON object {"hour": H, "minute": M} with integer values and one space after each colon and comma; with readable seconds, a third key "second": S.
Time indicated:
{"hour": 3, "minute": 35}
